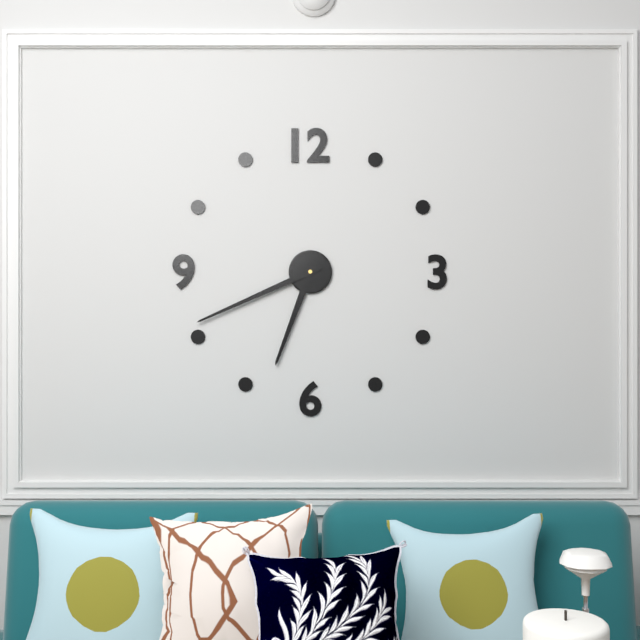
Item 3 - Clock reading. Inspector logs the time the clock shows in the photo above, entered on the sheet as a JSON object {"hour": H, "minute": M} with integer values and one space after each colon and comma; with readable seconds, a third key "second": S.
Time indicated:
{"hour": 6, "minute": 41}
